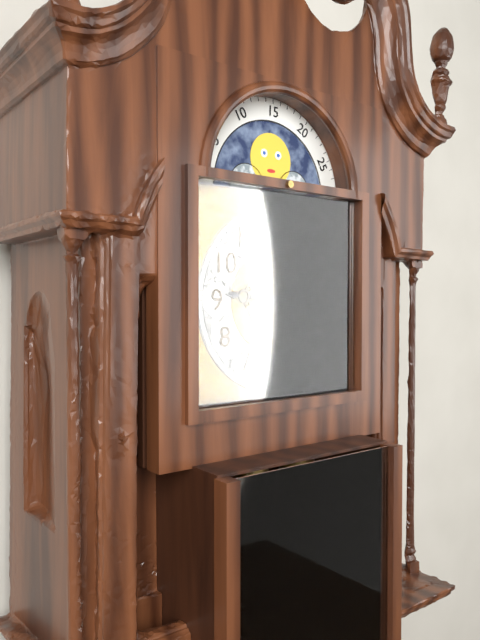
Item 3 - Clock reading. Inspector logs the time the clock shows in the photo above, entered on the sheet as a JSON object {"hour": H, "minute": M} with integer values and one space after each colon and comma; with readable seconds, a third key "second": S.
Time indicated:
{"hour": 9, "minute": 12}
